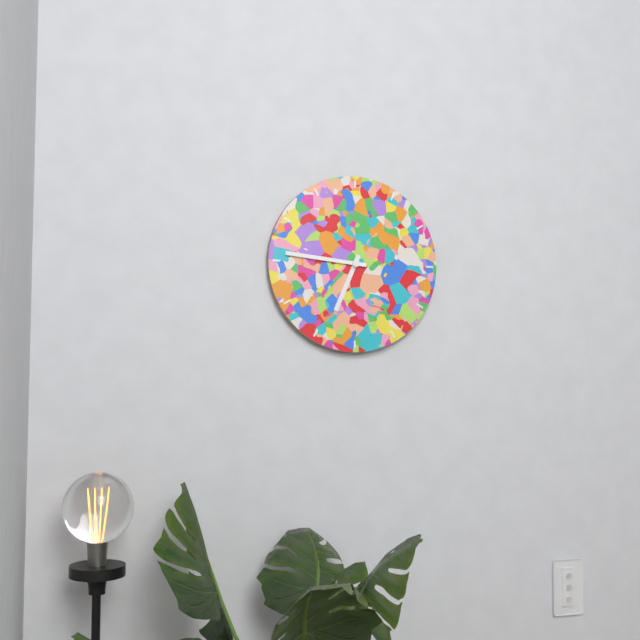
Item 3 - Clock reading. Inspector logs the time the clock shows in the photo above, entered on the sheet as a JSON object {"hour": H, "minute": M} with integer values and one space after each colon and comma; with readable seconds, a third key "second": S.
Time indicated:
{"hour": 6, "minute": 46}
